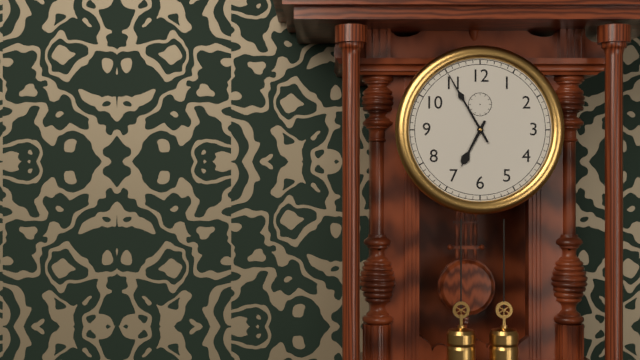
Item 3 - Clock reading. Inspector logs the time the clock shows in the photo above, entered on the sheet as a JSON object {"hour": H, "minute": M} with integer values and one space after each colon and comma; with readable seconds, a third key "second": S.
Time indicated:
{"hour": 6, "minute": 55}
